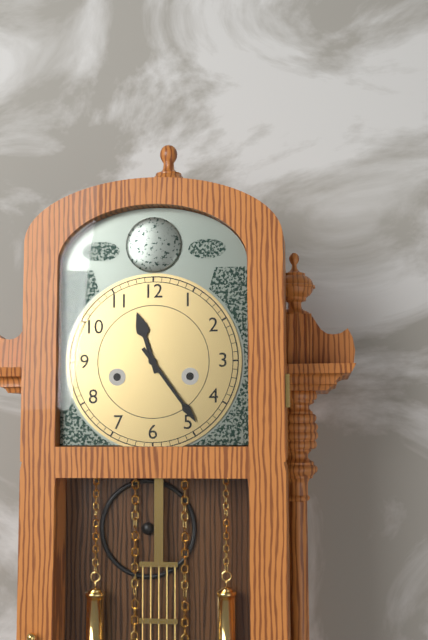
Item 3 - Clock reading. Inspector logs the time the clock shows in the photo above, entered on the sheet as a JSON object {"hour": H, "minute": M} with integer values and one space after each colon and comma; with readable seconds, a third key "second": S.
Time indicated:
{"hour": 11, "minute": 24}
